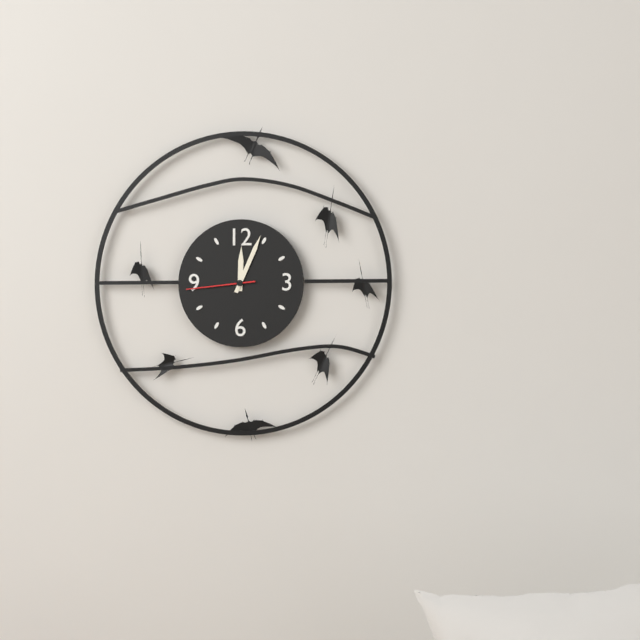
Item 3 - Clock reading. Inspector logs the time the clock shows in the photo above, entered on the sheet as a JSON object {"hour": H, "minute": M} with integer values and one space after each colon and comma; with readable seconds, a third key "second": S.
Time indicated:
{"hour": 12, "minute": 4, "second": 44}
